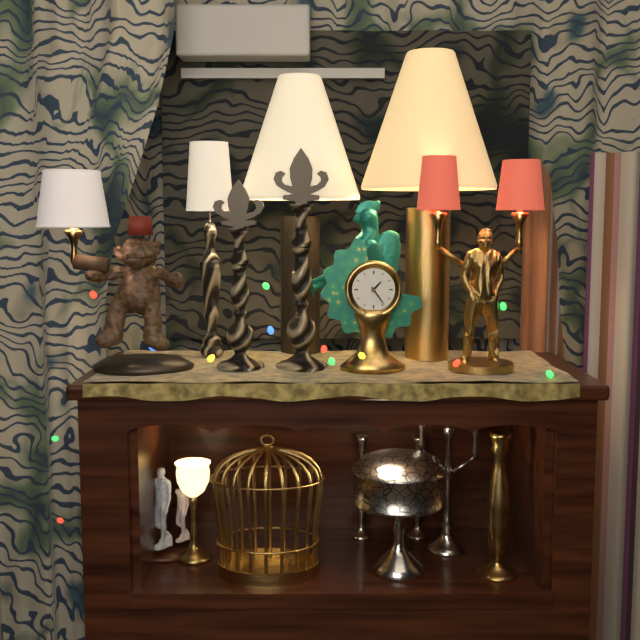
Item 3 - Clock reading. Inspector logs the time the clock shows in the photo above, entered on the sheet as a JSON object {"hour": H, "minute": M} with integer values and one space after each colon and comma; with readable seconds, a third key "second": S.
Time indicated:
{"hour": 1, "minute": 24}
